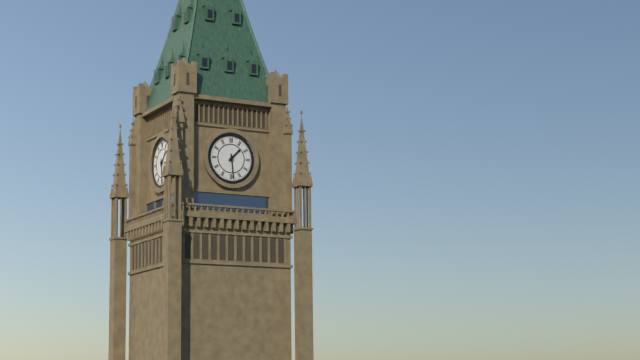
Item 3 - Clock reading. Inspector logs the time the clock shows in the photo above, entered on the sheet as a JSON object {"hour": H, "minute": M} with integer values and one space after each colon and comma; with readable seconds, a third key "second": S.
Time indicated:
{"hour": 1, "minute": 29}
